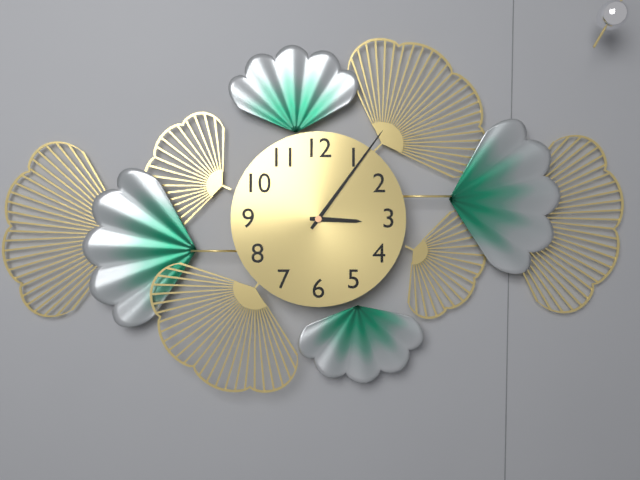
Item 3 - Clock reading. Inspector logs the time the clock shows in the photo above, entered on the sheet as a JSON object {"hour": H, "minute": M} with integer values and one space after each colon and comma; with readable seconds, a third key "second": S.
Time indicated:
{"hour": 3, "minute": 6}
